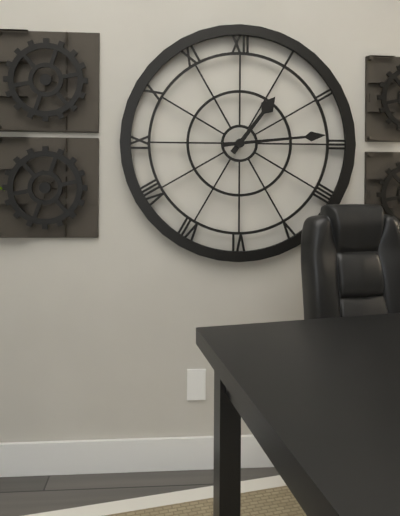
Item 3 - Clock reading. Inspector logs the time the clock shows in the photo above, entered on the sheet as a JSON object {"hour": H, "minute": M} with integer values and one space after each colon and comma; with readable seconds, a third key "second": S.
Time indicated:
{"hour": 1, "minute": 14}
